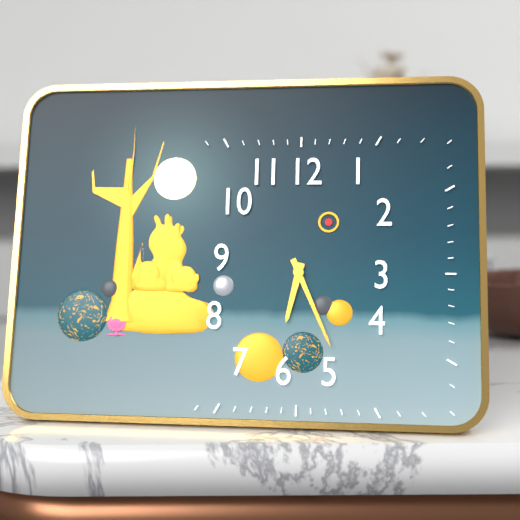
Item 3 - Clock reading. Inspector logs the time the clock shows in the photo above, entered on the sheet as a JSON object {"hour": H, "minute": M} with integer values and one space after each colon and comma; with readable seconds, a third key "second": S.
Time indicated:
{"hour": 6, "minute": 26}
